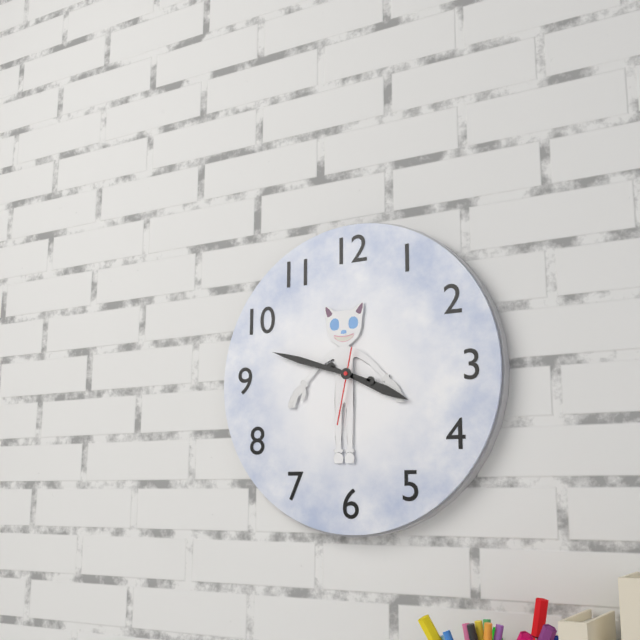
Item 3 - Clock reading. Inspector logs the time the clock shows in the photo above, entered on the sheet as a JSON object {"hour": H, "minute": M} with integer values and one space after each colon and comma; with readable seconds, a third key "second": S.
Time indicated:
{"hour": 3, "minute": 48, "second": 32}
